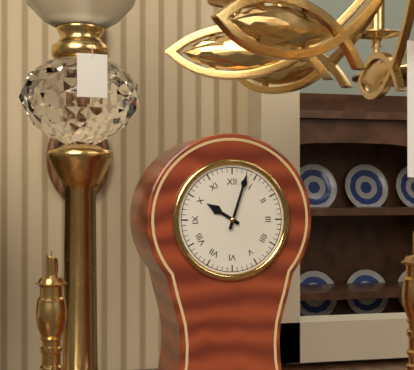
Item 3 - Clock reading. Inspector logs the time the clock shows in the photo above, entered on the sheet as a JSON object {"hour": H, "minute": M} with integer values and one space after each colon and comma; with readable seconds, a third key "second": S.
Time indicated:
{"hour": 10, "minute": 3}
